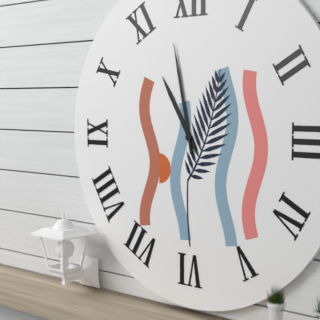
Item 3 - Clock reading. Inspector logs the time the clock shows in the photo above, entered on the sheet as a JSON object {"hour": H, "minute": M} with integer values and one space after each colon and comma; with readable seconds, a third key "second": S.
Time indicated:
{"hour": 10, "minute": 58}
